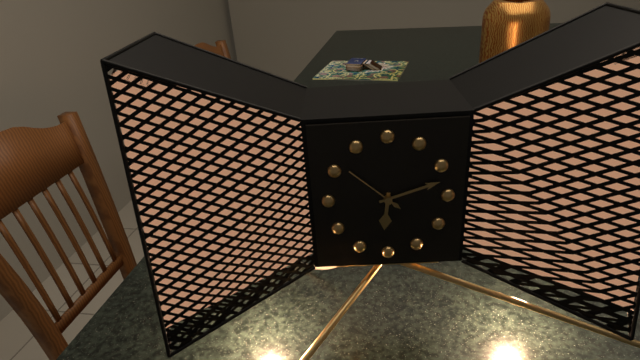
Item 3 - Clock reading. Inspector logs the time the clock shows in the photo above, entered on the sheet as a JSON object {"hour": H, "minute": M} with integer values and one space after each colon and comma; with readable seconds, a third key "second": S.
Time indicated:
{"hour": 6, "minute": 12, "second": 52}
